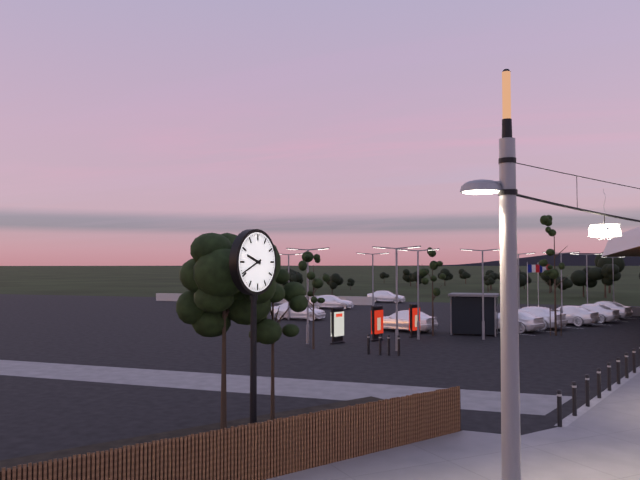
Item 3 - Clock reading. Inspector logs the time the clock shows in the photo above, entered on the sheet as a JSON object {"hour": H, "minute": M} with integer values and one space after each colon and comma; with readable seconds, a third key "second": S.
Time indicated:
{"hour": 9, "minute": 41}
